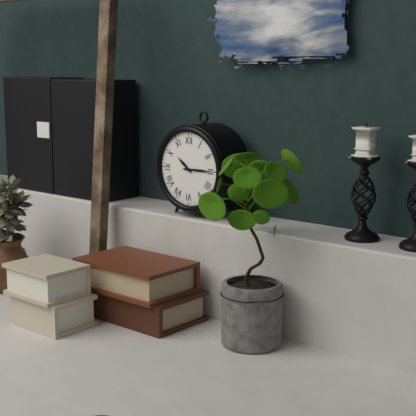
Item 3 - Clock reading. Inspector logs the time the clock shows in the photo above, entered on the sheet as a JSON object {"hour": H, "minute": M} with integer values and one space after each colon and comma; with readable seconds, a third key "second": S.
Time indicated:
{"hour": 10, "minute": 15}
